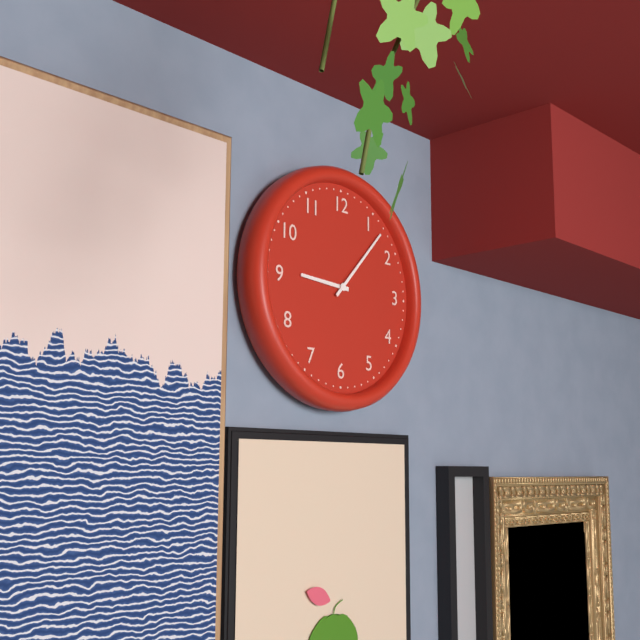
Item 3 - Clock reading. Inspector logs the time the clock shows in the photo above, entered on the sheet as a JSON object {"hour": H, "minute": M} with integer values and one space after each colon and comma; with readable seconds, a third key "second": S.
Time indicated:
{"hour": 9, "minute": 7}
